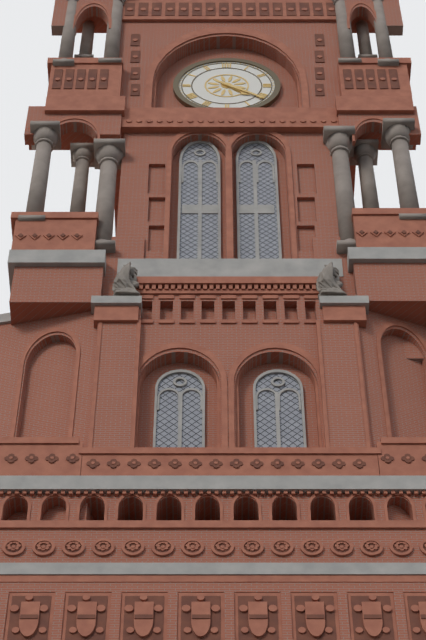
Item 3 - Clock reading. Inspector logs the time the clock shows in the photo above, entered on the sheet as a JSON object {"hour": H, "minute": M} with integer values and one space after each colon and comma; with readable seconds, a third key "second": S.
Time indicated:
{"hour": 4, "minute": 21}
